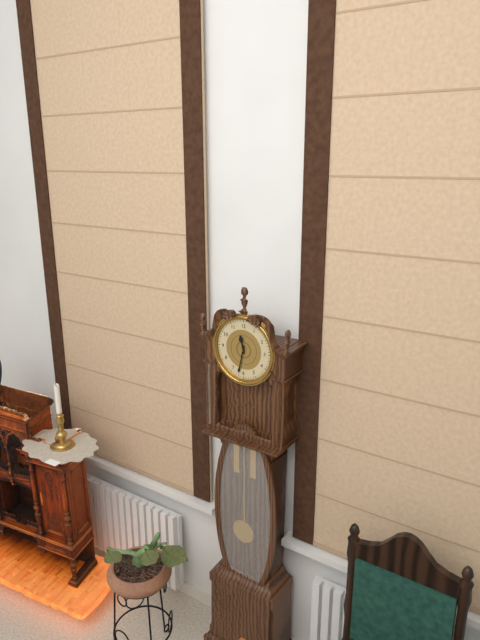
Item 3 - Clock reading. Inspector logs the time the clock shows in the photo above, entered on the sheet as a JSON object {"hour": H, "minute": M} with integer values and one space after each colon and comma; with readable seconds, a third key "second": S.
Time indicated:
{"hour": 11, "minute": 32}
